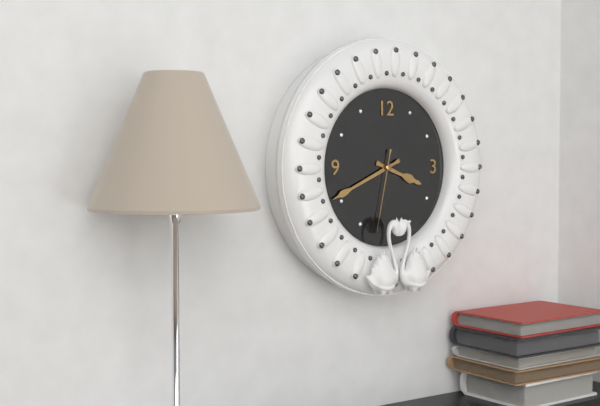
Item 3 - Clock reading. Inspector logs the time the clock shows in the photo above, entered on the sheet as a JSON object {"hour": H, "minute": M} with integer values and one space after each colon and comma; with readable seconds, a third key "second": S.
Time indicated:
{"hour": 3, "minute": 41, "second": 32}
